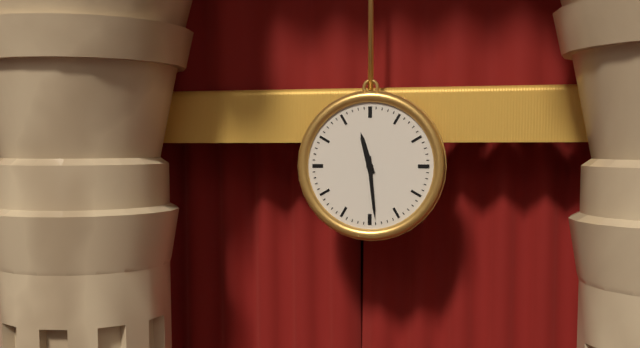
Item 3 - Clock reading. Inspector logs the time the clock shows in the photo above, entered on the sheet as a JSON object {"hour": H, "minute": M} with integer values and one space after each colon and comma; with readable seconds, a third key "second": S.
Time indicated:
{"hour": 11, "minute": 29}
